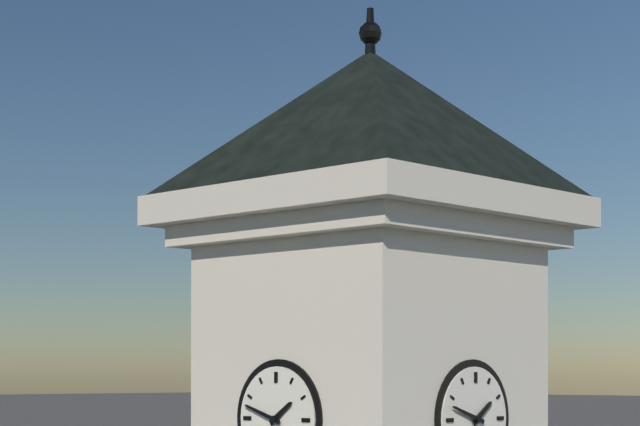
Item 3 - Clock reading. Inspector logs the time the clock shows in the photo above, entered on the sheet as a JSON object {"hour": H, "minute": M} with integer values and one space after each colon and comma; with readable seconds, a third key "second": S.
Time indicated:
{"hour": 1, "minute": 48}
